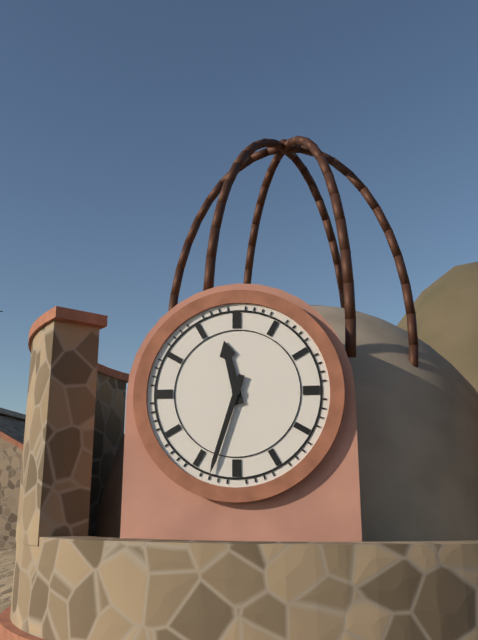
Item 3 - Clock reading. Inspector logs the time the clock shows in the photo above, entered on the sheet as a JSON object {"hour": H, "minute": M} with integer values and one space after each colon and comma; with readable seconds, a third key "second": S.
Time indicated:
{"hour": 11, "minute": 33}
